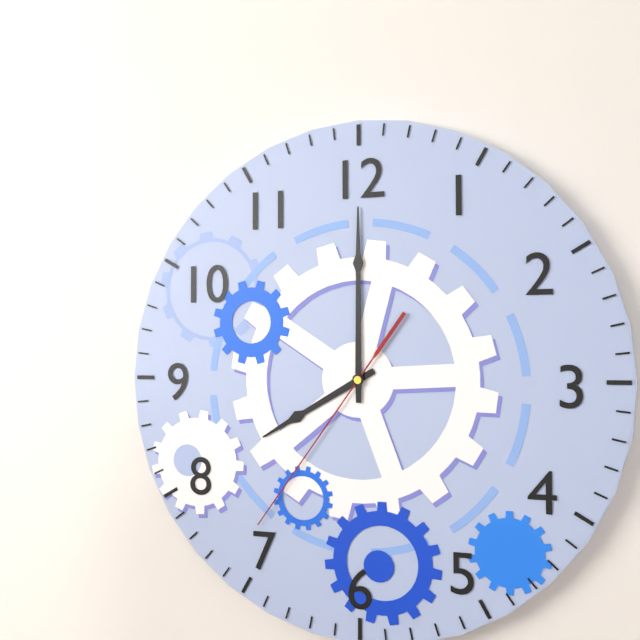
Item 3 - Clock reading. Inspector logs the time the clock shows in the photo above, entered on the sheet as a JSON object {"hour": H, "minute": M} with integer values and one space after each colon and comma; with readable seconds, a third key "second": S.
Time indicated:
{"hour": 8, "minute": 0, "second": 36}
